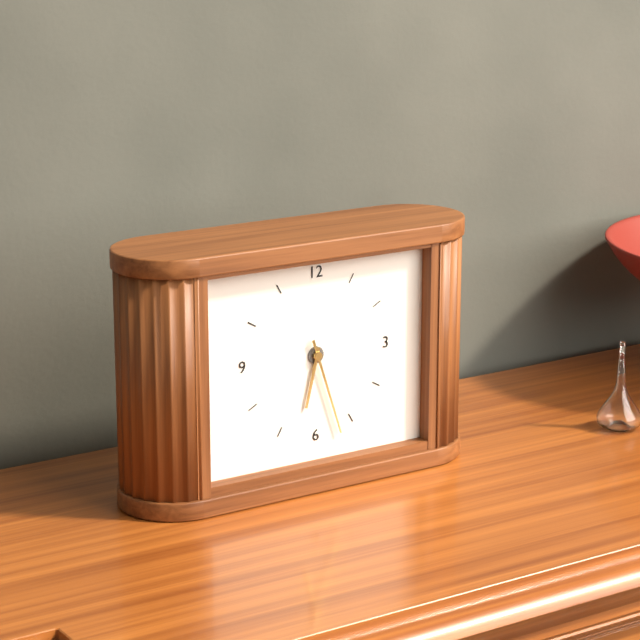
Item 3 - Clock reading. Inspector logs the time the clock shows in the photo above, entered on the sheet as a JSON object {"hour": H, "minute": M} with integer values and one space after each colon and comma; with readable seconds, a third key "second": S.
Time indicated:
{"hour": 6, "minute": 27}
